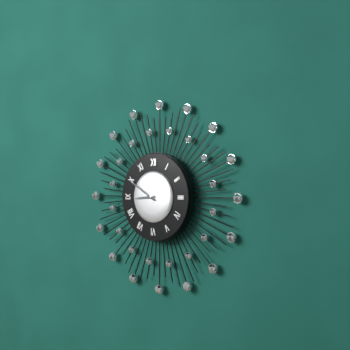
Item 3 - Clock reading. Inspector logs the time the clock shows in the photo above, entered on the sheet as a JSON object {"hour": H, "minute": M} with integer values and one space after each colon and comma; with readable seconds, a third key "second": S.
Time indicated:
{"hour": 8, "minute": 50}
